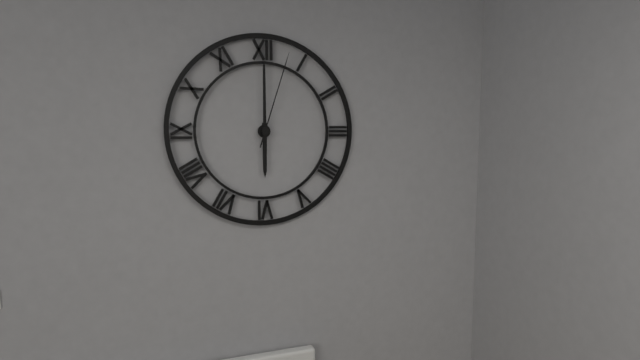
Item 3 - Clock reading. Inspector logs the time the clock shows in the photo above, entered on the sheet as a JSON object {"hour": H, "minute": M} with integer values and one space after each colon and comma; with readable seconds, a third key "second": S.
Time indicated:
{"hour": 6, "minute": 0, "second": 3}
